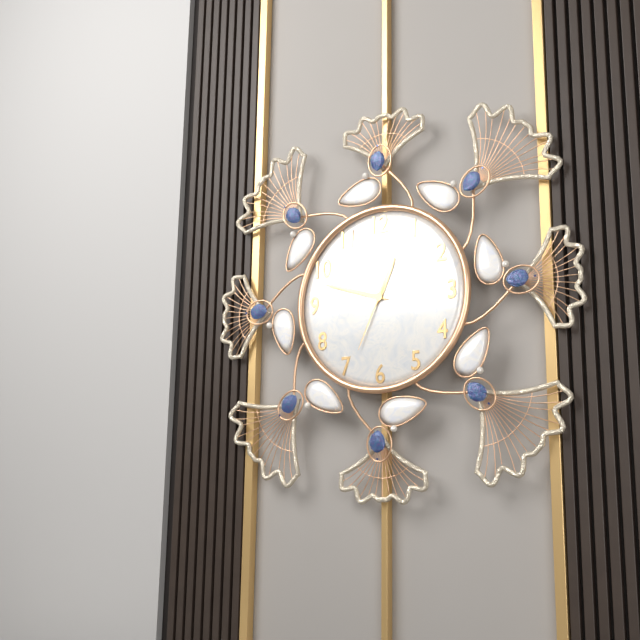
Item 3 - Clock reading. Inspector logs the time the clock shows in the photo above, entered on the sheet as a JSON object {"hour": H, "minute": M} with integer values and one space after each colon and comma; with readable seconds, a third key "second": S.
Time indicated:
{"hour": 12, "minute": 48, "second": 34}
